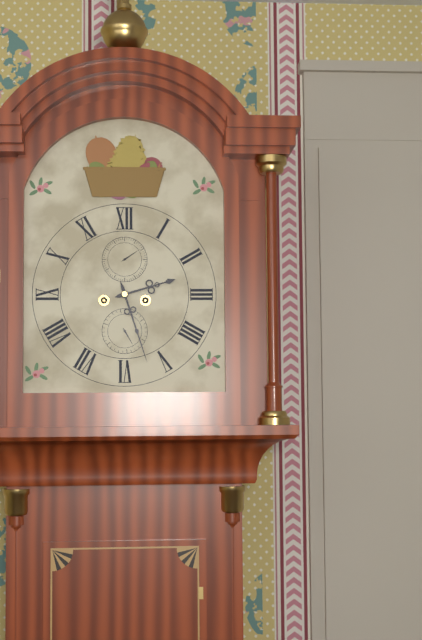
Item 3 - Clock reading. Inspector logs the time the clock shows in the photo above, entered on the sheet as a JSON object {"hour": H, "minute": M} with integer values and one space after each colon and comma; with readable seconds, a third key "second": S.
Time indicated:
{"hour": 2, "minute": 27}
